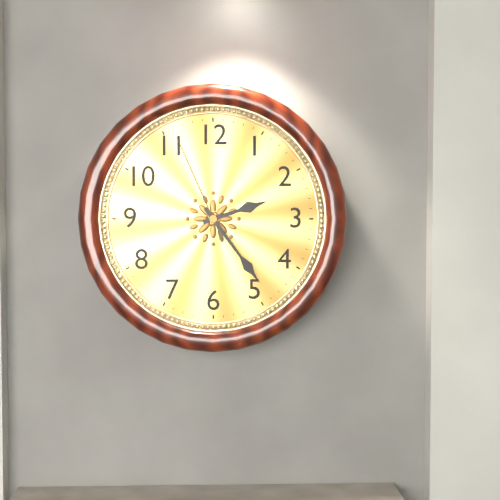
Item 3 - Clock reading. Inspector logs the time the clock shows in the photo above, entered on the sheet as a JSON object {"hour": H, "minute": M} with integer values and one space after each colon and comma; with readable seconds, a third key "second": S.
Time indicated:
{"hour": 2, "minute": 24, "second": 56}
